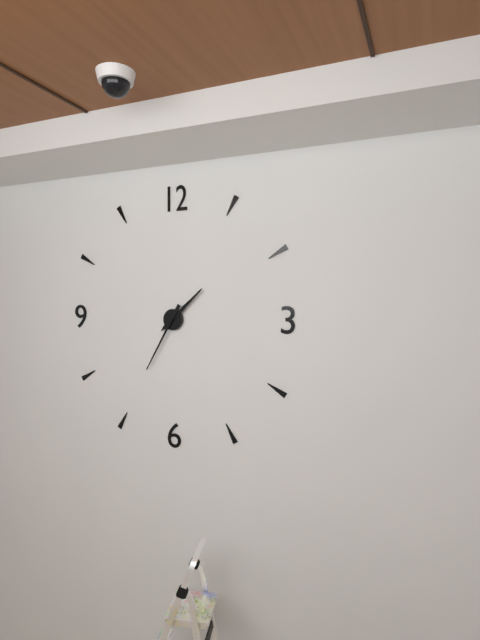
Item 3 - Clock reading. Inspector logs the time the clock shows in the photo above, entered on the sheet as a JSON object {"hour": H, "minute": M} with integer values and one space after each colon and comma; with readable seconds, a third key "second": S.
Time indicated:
{"hour": 1, "minute": 35}
